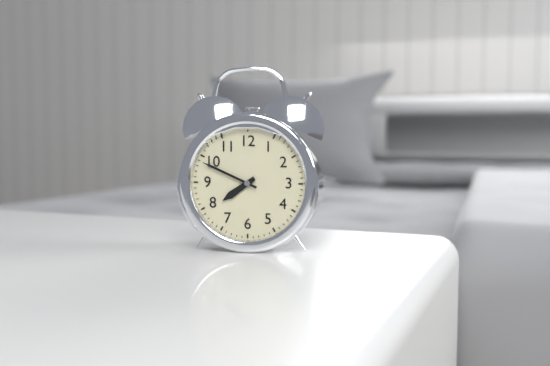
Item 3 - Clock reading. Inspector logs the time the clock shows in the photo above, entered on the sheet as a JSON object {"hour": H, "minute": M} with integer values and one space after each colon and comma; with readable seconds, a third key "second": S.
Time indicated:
{"hour": 7, "minute": 49}
